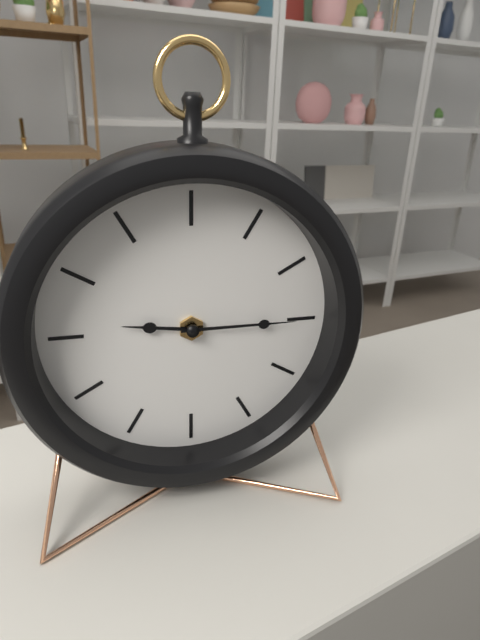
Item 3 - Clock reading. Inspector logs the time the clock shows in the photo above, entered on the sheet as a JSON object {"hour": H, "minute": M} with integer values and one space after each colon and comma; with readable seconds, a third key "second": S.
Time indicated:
{"hour": 9, "minute": 15}
